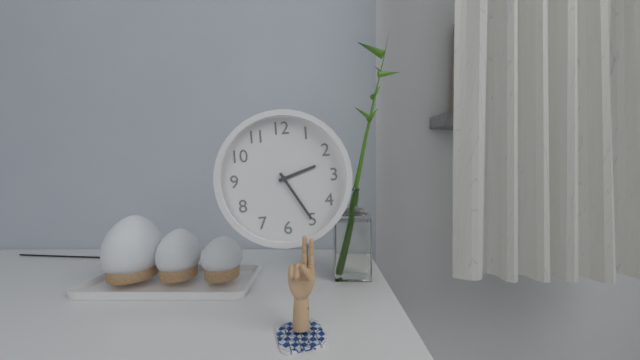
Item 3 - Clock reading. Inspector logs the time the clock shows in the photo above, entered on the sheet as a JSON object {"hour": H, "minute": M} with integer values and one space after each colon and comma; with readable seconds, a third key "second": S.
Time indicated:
{"hour": 2, "minute": 25}
